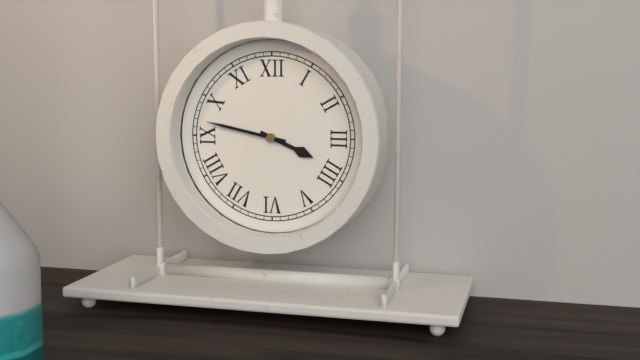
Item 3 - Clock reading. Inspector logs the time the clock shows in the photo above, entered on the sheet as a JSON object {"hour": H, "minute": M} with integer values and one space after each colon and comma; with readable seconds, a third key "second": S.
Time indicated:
{"hour": 3, "minute": 47}
